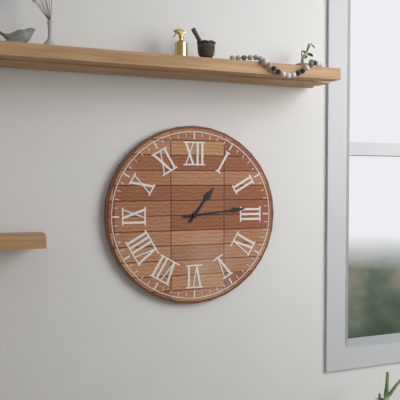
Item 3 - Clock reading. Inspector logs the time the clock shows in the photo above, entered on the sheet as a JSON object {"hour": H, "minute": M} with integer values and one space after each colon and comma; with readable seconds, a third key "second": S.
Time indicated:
{"hour": 1, "minute": 14}
